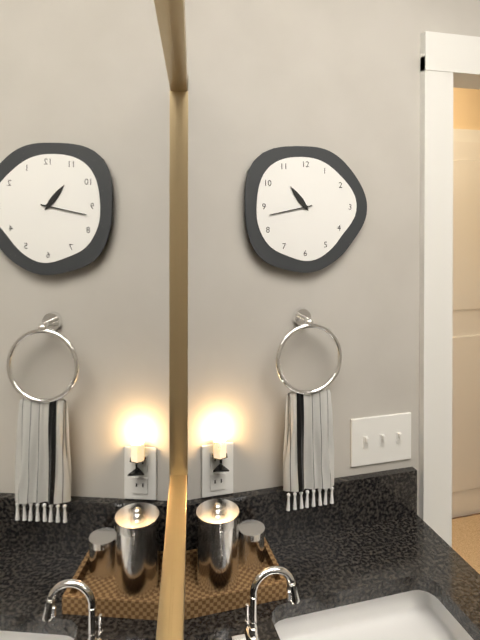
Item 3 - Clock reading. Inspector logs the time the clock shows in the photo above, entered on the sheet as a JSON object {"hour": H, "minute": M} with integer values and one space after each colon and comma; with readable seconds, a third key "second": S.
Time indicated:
{"hour": 10, "minute": 43}
